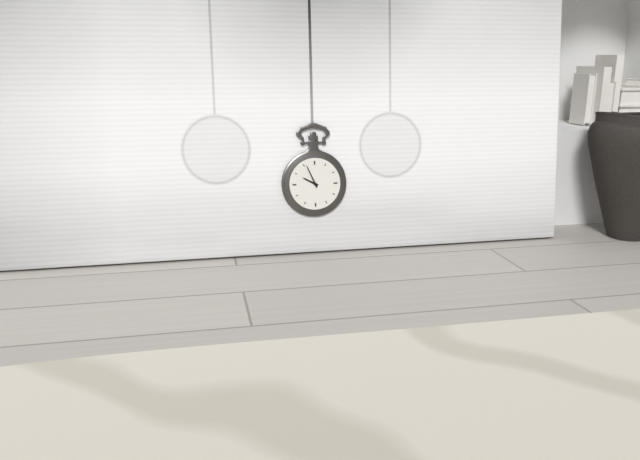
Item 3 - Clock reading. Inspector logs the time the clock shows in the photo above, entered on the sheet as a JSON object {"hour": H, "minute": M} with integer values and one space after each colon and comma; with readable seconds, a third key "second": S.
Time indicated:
{"hour": 9, "minute": 56}
